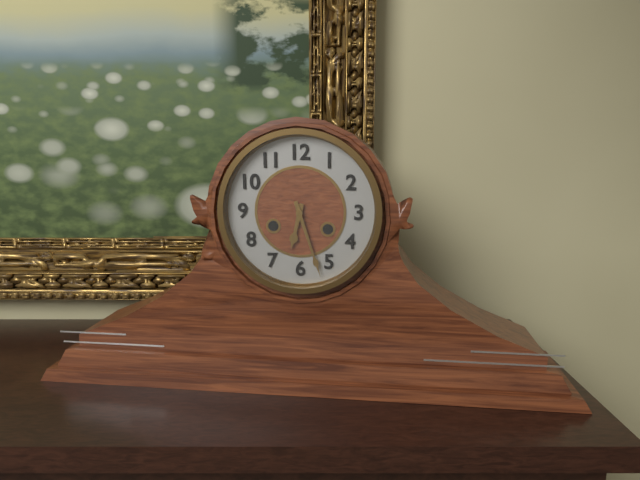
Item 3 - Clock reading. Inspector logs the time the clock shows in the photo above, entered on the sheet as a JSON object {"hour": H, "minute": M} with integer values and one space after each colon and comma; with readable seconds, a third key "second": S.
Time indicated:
{"hour": 6, "minute": 27}
